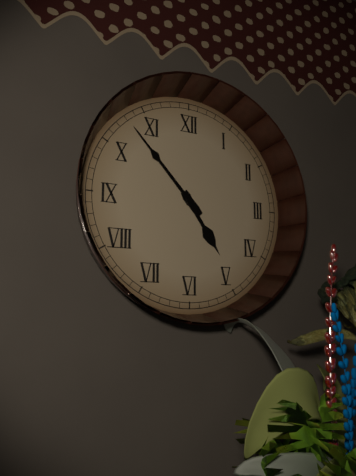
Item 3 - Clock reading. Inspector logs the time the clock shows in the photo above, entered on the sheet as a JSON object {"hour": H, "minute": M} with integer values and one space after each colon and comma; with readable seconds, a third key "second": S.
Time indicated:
{"hour": 4, "minute": 53}
